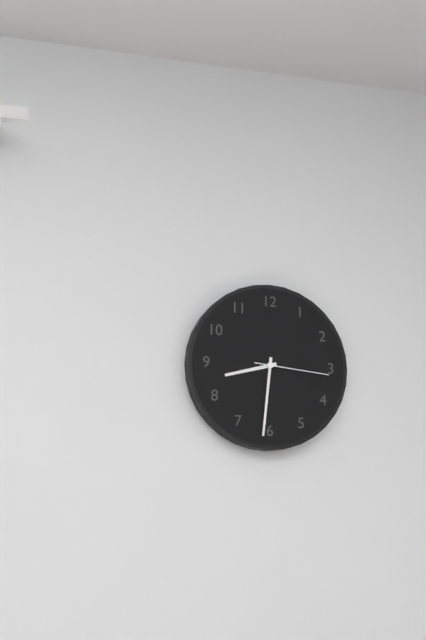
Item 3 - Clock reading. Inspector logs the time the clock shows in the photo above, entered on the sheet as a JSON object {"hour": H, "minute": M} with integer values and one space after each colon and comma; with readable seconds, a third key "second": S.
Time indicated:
{"hour": 8, "minute": 31, "second": 16}
